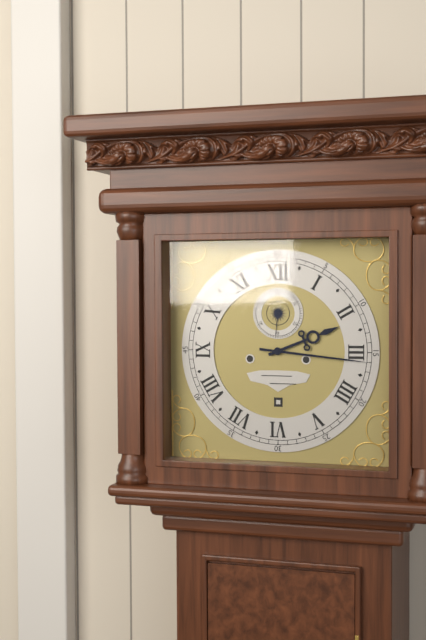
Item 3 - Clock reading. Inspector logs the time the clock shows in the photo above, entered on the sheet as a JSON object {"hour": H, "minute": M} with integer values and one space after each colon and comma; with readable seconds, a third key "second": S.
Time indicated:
{"hour": 2, "minute": 16}
